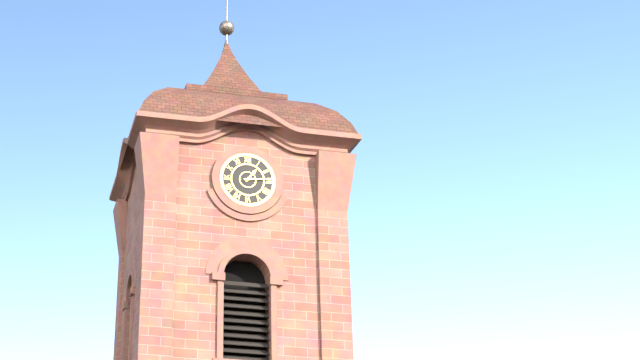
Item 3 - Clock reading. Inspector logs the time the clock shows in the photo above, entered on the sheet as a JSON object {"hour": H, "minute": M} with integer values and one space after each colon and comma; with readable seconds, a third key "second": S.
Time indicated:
{"hour": 1, "minute": 14}
